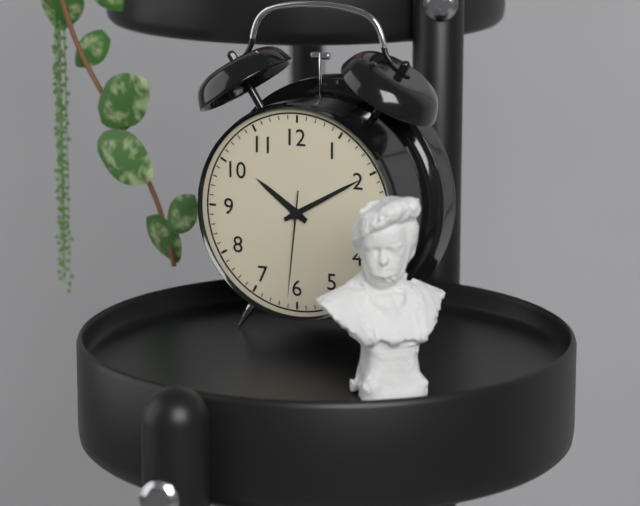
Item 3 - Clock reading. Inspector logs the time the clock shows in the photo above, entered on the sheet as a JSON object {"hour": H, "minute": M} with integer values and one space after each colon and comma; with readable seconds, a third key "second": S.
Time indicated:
{"hour": 10, "minute": 10, "second": 31}
